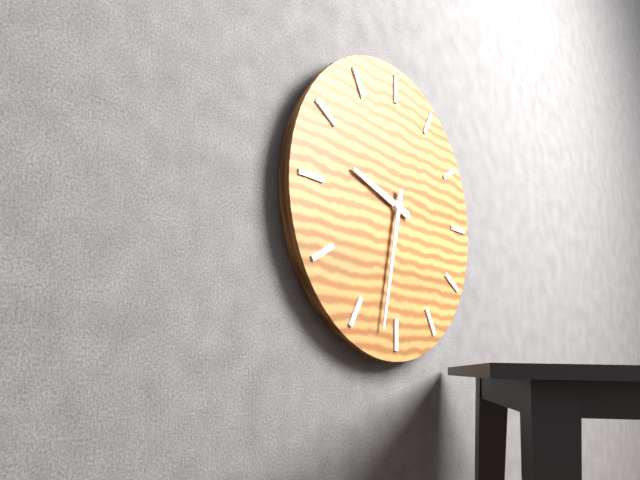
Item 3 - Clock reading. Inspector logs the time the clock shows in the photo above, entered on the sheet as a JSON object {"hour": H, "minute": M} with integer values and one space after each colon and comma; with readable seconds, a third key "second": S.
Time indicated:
{"hour": 9, "minute": 32}
